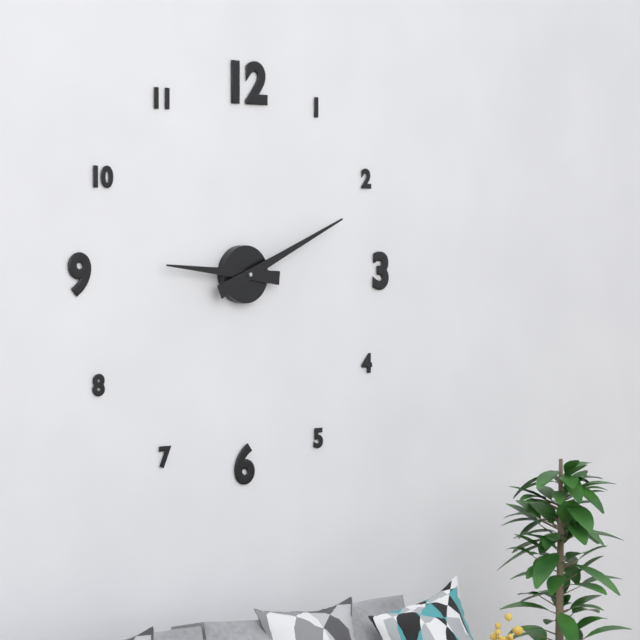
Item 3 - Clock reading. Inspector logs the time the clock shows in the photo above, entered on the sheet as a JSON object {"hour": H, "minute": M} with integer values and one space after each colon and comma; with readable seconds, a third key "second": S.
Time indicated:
{"hour": 9, "minute": 11}
